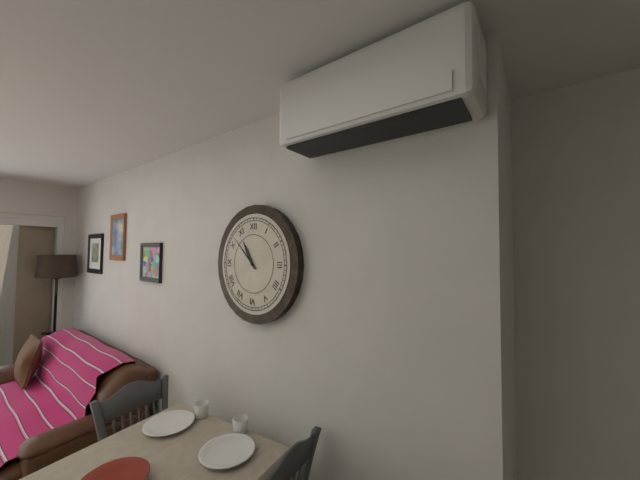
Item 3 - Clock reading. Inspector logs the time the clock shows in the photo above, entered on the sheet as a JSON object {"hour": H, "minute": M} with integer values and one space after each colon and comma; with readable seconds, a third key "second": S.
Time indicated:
{"hour": 10, "minute": 52}
